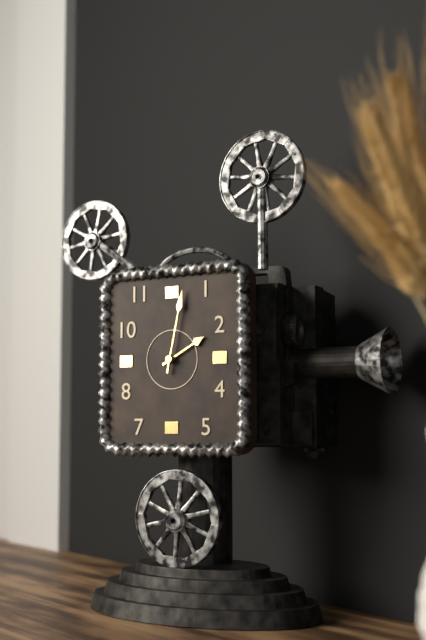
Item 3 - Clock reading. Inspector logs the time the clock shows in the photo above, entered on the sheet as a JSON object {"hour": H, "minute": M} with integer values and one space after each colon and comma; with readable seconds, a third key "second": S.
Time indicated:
{"hour": 2, "minute": 2}
